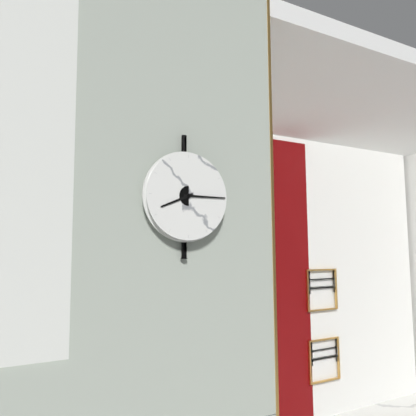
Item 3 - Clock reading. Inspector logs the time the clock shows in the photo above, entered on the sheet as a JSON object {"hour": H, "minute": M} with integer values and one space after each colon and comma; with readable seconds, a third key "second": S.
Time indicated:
{"hour": 8, "minute": 15}
